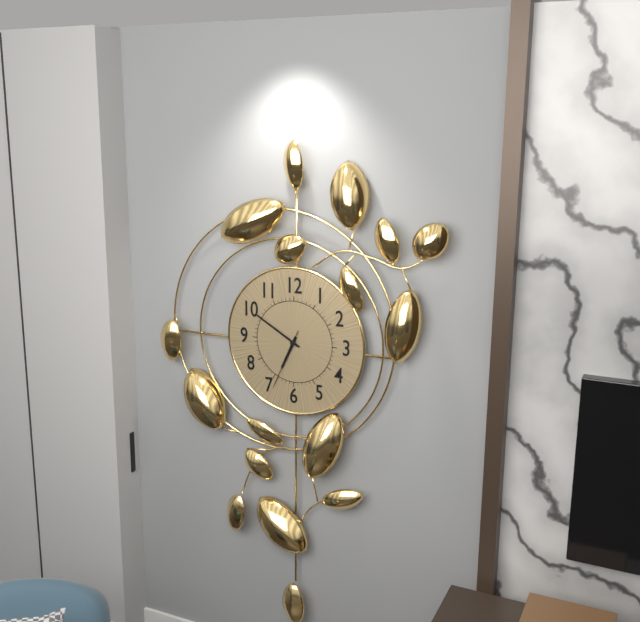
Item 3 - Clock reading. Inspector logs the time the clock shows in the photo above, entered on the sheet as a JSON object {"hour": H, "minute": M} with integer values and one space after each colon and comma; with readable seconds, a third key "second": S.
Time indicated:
{"hour": 6, "minute": 50, "second": 34}
